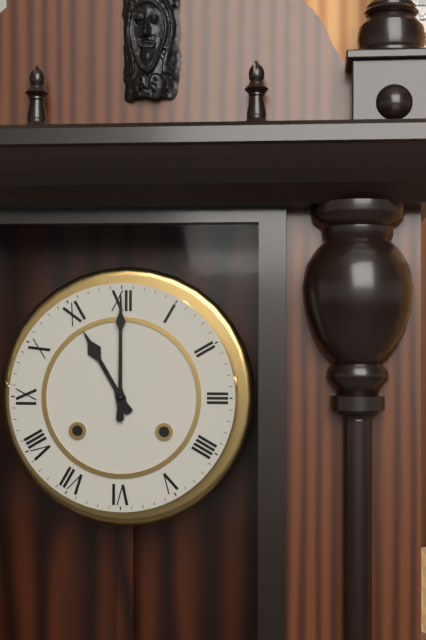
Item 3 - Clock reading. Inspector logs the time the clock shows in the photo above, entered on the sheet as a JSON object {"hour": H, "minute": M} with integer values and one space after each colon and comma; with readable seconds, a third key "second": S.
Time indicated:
{"hour": 11, "minute": 0}
